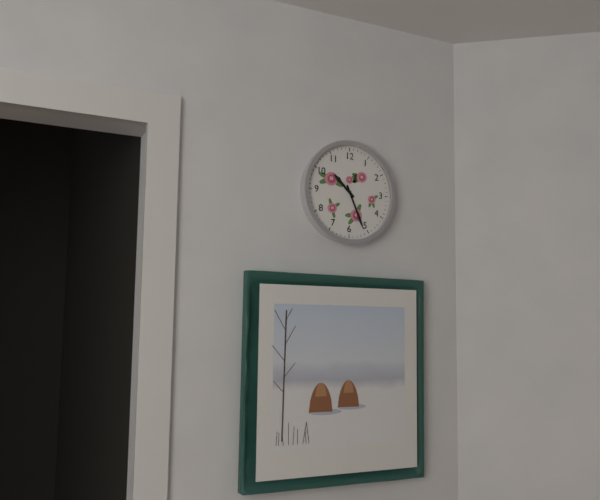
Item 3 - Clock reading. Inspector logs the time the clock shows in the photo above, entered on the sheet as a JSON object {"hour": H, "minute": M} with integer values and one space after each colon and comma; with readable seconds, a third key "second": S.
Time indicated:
{"hour": 10, "minute": 26}
